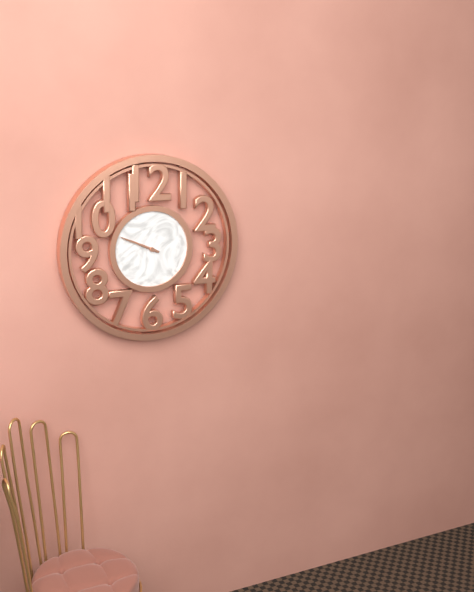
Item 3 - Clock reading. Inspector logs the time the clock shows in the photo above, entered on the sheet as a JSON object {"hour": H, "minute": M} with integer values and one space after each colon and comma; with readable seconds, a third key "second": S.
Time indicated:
{"hour": 9, "minute": 49}
